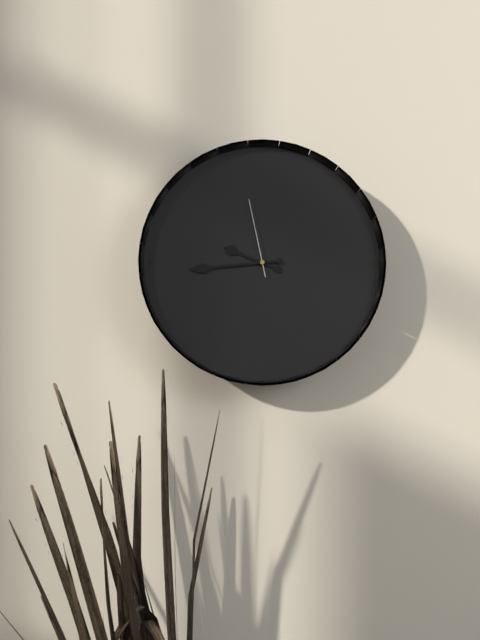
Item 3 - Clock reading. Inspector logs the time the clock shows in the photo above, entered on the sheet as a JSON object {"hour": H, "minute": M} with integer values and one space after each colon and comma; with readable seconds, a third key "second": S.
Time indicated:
{"hour": 9, "minute": 44, "second": 58}
